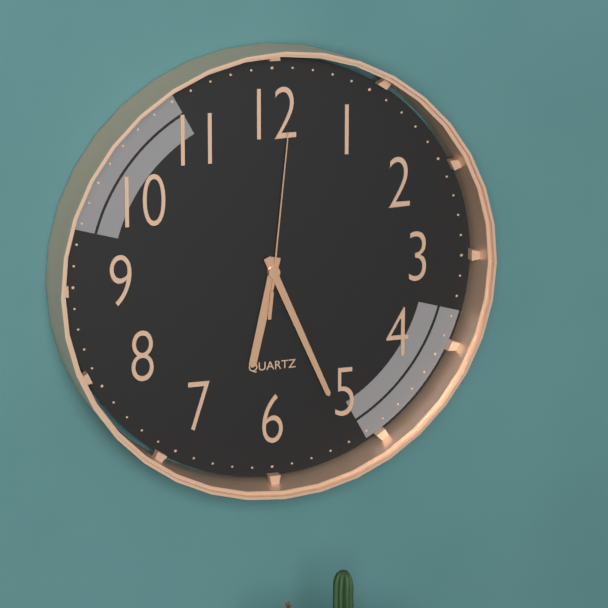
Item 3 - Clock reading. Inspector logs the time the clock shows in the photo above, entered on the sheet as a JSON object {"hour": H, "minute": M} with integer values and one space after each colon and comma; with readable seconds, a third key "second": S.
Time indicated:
{"hour": 6, "minute": 26, "second": 1}
